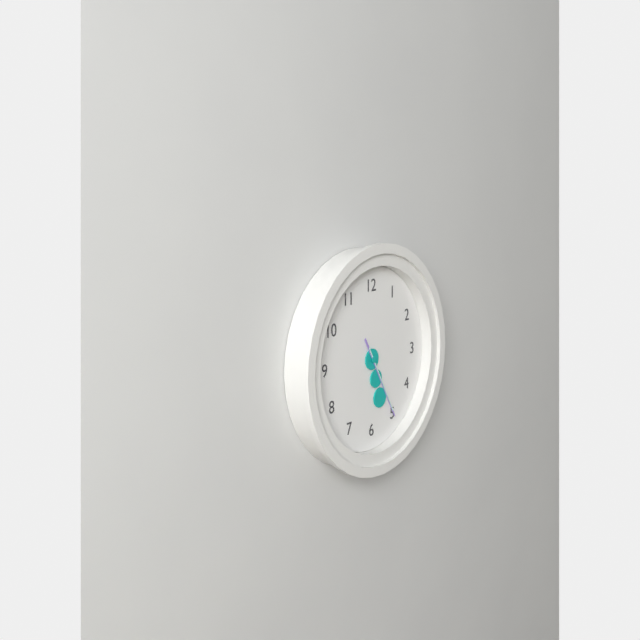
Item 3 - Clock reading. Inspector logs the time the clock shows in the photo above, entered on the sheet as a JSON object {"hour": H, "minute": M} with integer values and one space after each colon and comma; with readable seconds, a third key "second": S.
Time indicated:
{"hour": 5, "minute": 25, "second": 25}
